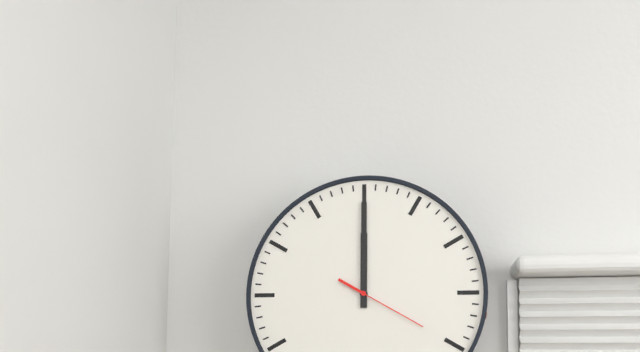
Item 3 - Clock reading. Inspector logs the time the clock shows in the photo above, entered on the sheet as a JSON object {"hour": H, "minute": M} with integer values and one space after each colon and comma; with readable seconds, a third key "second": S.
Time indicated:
{"hour": 12, "minute": 0, "second": 20}
